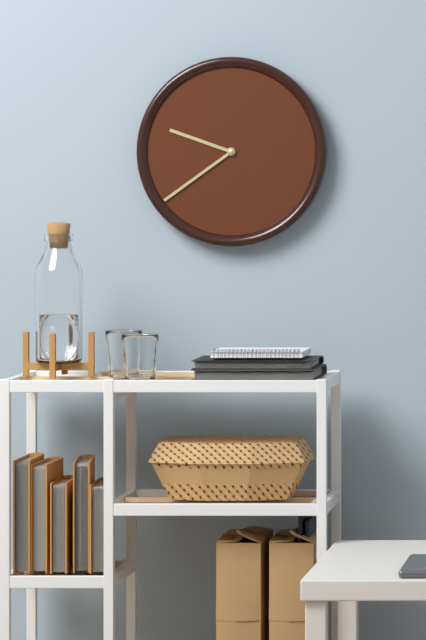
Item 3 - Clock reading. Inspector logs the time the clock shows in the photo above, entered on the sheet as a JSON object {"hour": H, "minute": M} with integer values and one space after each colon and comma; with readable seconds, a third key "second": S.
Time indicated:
{"hour": 9, "minute": 39}
